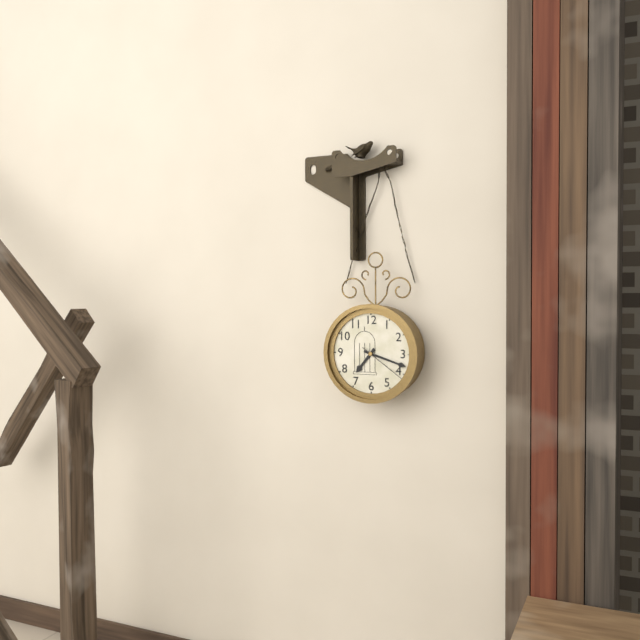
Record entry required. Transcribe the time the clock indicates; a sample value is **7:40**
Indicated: **7:18**
